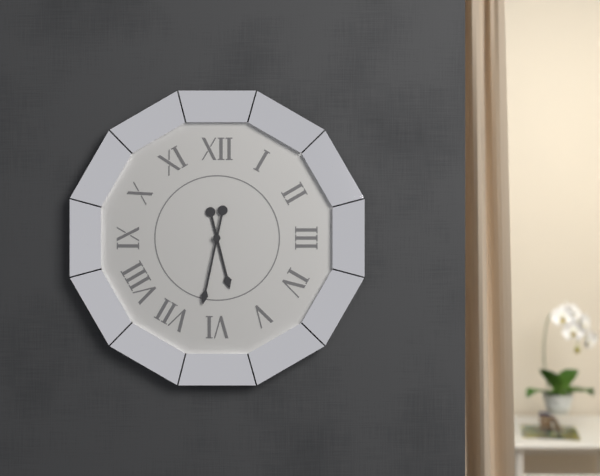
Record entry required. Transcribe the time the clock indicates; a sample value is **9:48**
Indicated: **5:32**
